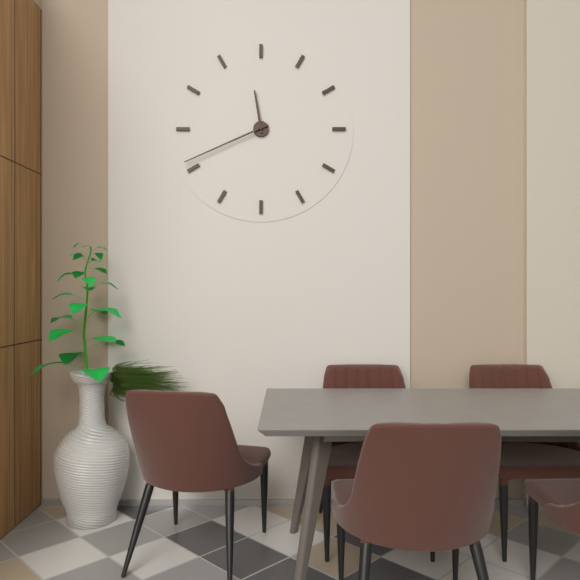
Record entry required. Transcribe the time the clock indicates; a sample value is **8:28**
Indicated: **11:41**
